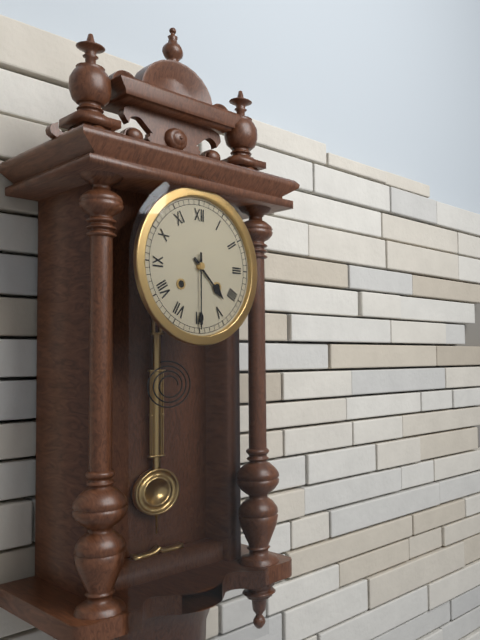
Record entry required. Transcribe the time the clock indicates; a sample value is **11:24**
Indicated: **4:30**
